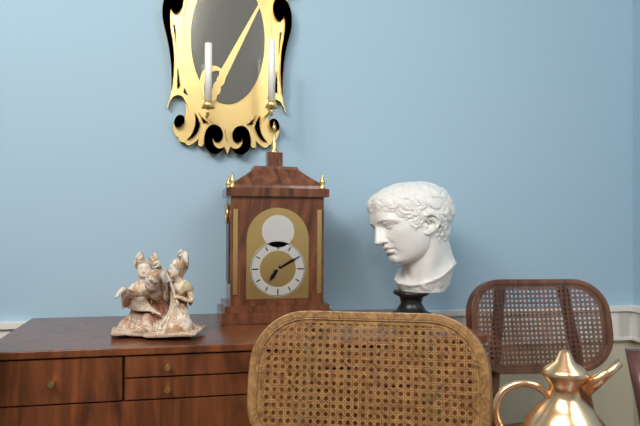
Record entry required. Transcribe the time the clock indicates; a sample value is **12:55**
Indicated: **7:10**
